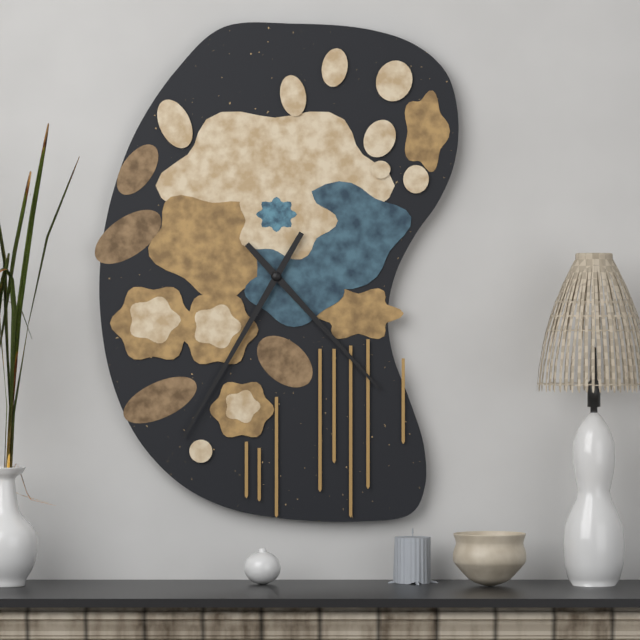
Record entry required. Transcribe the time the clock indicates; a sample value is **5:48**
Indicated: **4:35**
